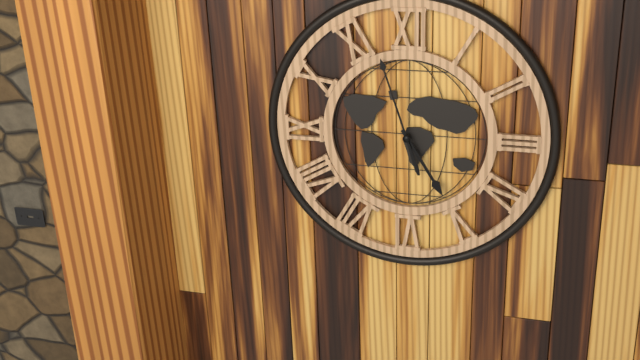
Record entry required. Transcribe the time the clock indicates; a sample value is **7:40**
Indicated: **4:57**
